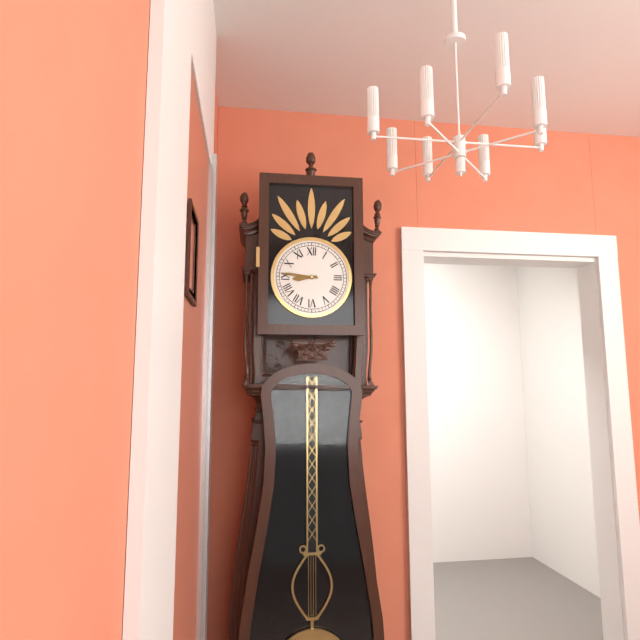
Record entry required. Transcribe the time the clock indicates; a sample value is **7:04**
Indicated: **8:46**
